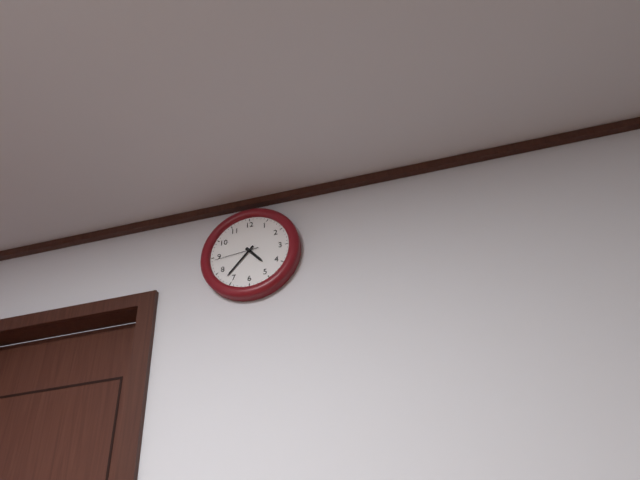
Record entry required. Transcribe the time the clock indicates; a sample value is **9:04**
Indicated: **4:37**
